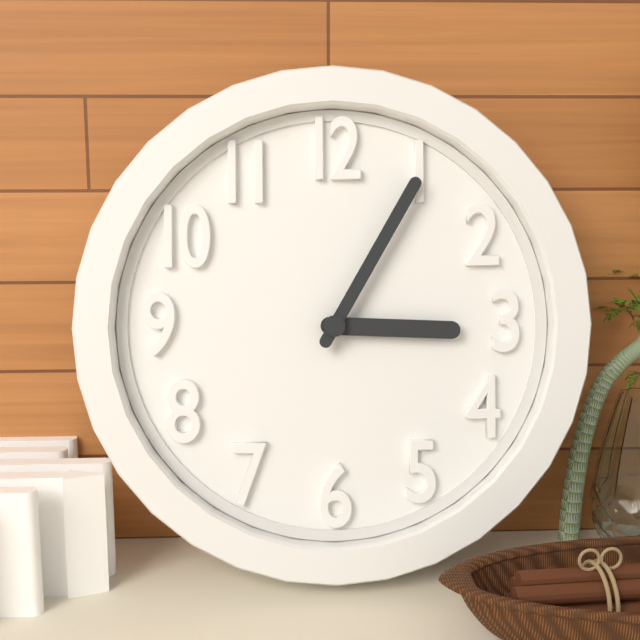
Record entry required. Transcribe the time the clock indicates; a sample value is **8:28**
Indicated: **3:05**
